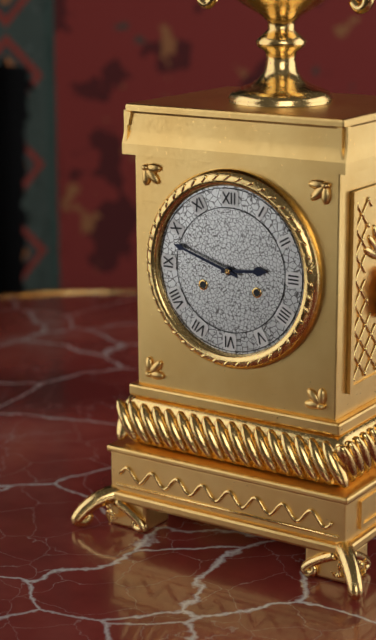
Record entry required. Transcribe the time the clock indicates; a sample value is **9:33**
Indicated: **2:48**
